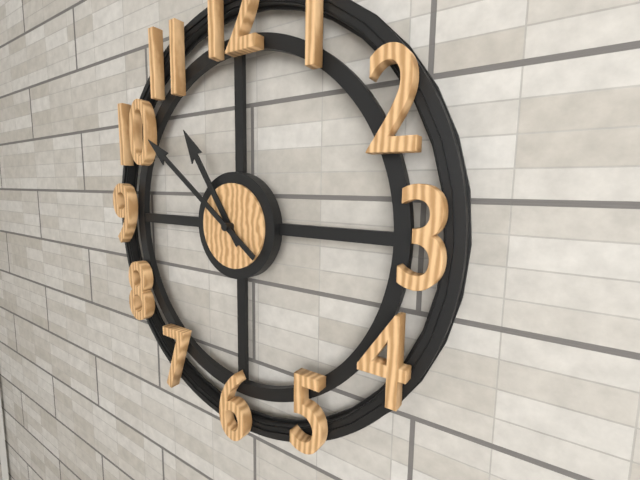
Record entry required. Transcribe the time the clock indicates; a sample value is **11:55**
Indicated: **10:51**
